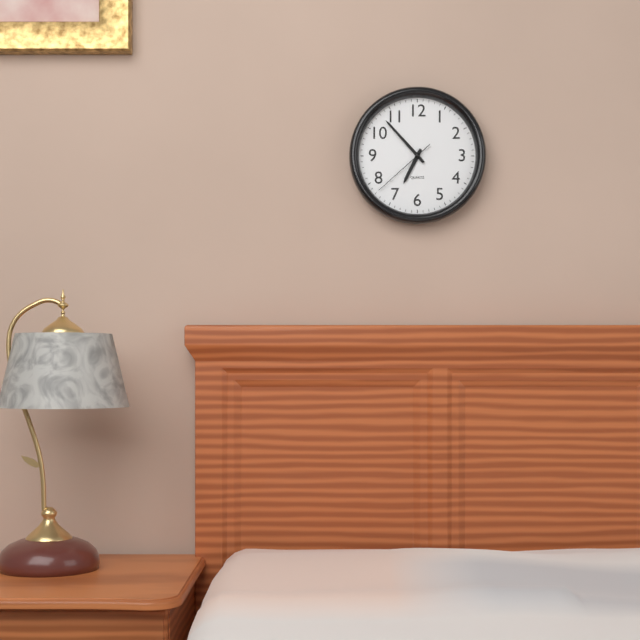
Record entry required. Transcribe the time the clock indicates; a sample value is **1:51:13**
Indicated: **6:53:38**
